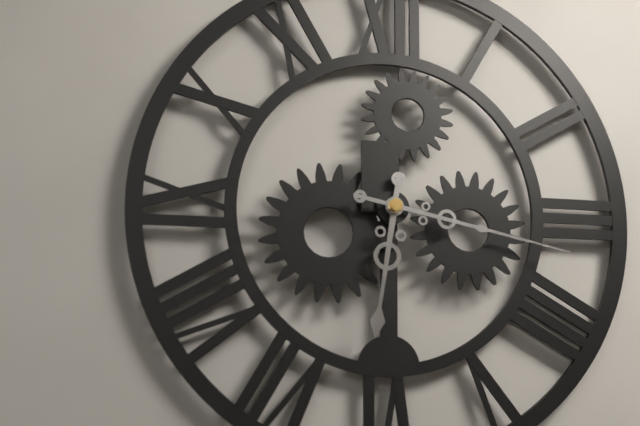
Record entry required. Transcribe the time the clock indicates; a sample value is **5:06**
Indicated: **6:17**
